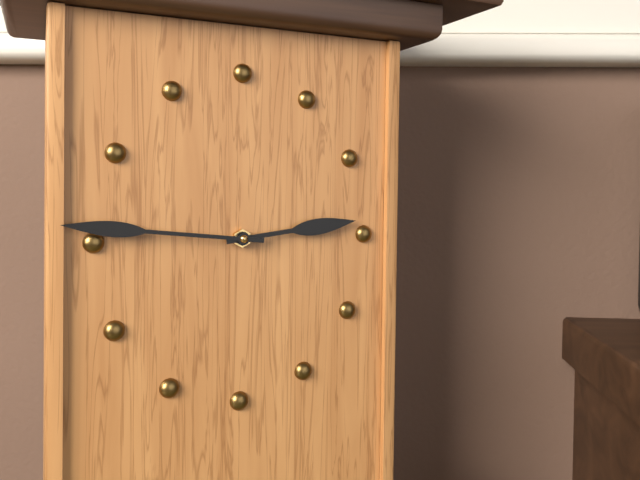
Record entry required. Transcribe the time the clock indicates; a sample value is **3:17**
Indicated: **2:46**
